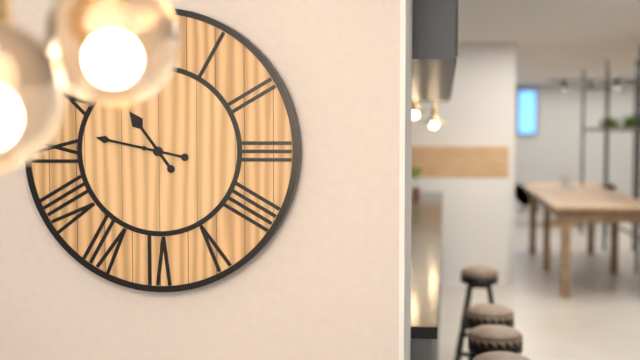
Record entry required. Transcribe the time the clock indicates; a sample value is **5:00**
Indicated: **10:47**
